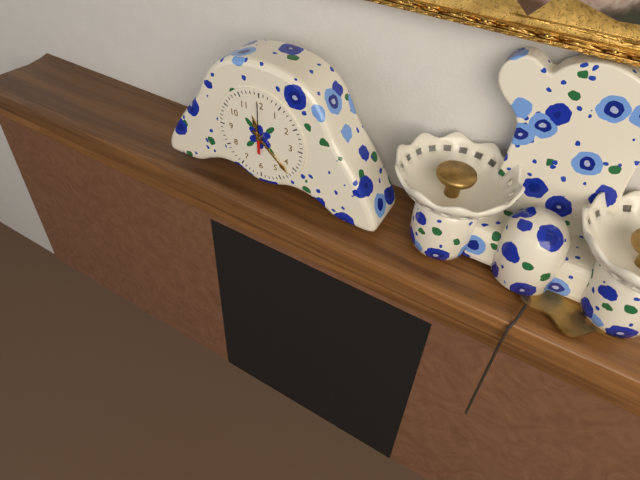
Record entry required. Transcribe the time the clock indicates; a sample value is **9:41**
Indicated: **11:22**
